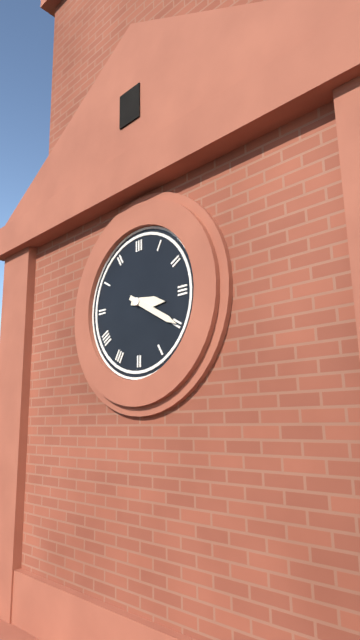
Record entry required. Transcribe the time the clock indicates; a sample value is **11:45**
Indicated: **3:20**
